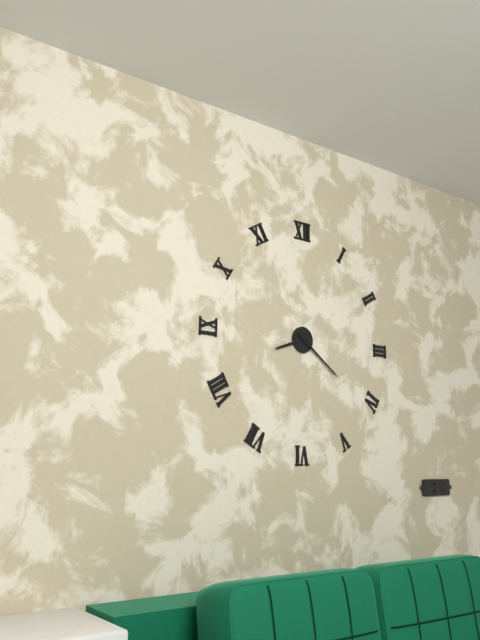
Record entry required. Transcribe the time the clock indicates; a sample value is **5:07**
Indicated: **8:21**
